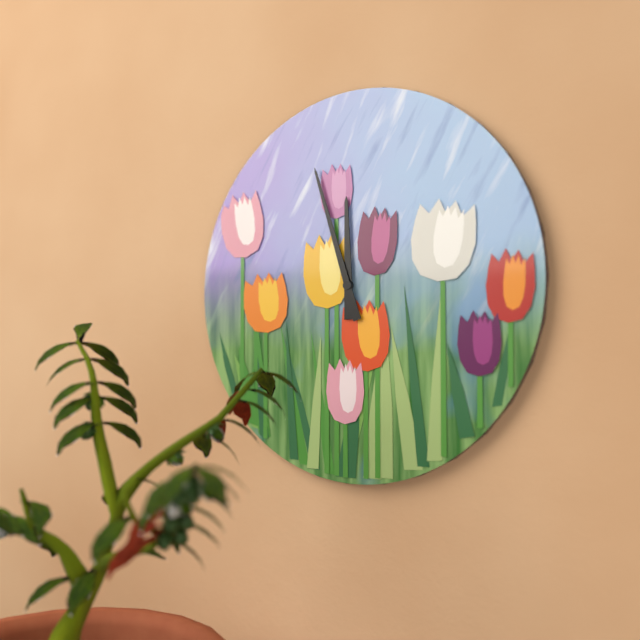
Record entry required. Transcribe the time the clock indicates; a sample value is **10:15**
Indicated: **11:57**
